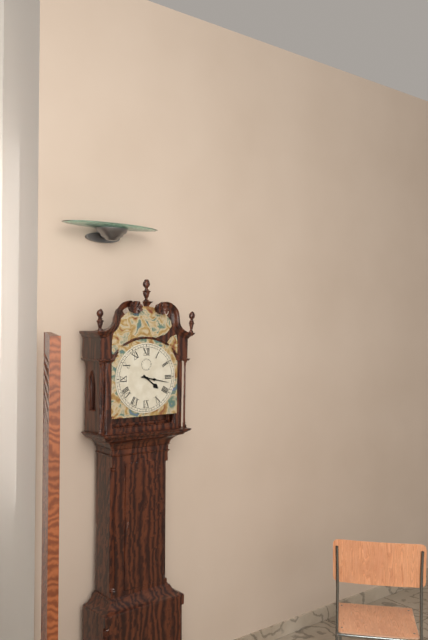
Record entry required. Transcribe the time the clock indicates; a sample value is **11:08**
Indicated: **4:17**
